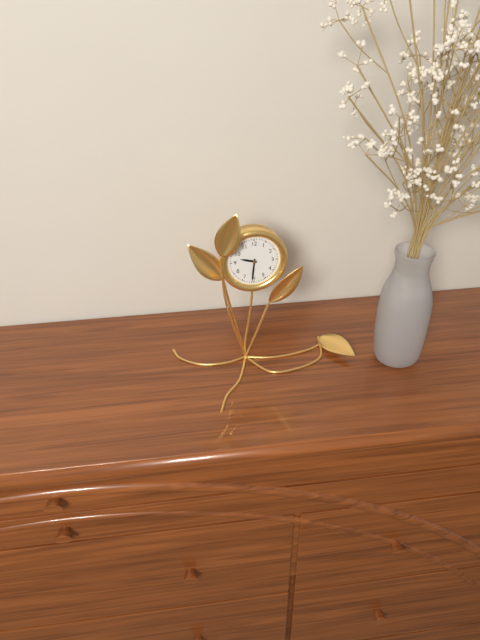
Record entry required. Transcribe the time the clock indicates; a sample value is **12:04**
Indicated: **9:31**
